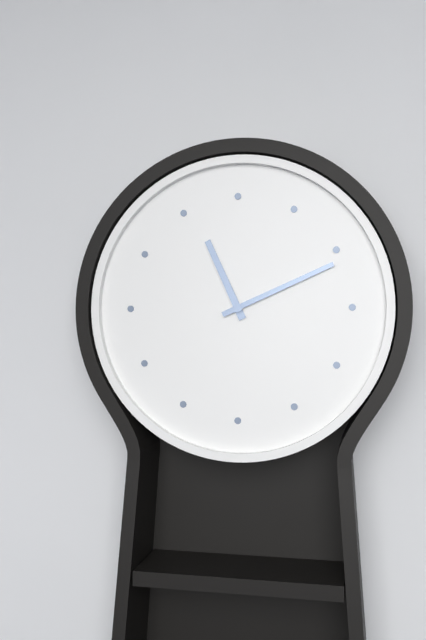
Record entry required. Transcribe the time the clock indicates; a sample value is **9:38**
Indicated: **11:11**
